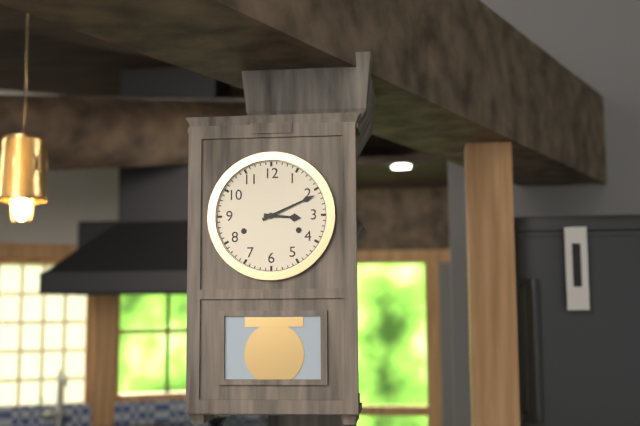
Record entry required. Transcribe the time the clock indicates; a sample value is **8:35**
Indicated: **3:11**
